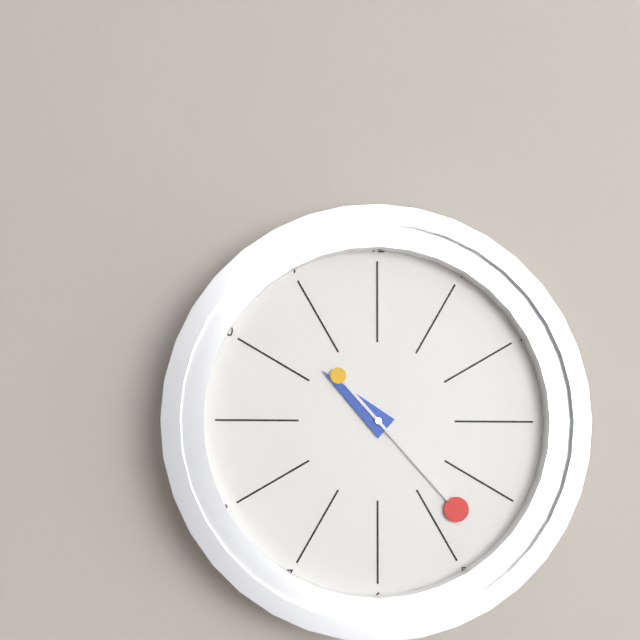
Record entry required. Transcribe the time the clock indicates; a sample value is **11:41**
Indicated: **10:23**
